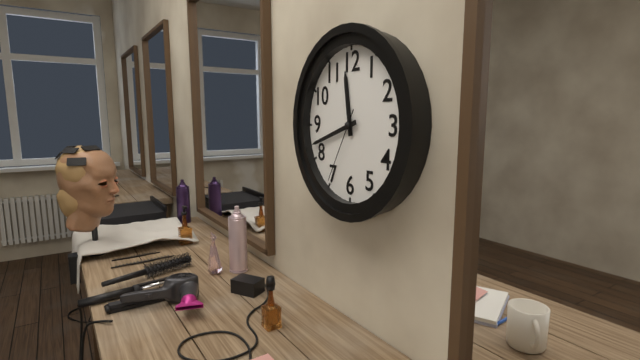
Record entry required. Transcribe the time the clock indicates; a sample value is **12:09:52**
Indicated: **11:42:35**
